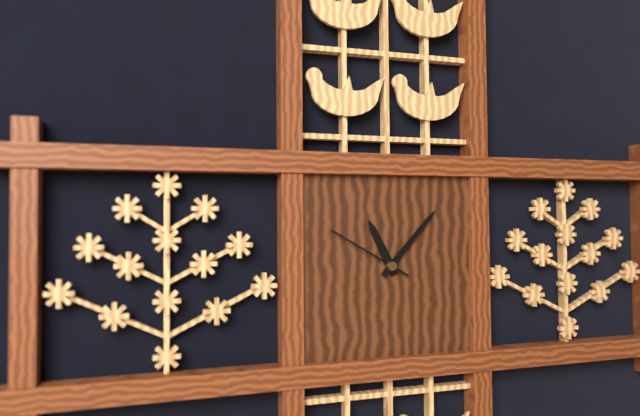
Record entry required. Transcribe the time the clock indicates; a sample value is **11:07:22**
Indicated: **11:07:50**
